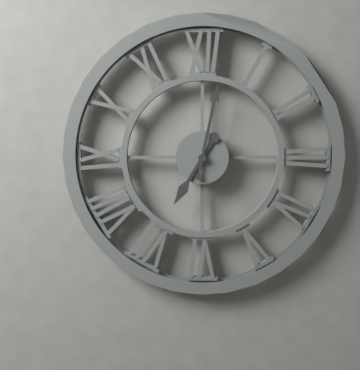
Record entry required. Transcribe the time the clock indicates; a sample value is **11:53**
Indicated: **7:02**
